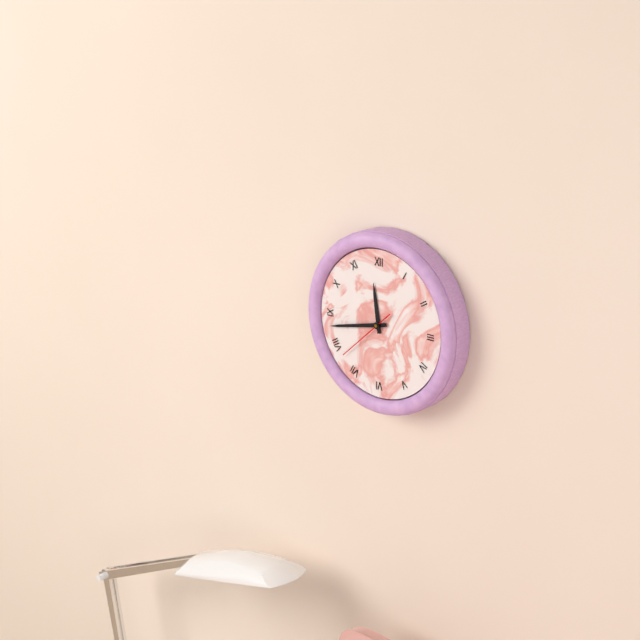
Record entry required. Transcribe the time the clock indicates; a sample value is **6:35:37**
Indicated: **11:43:38**
